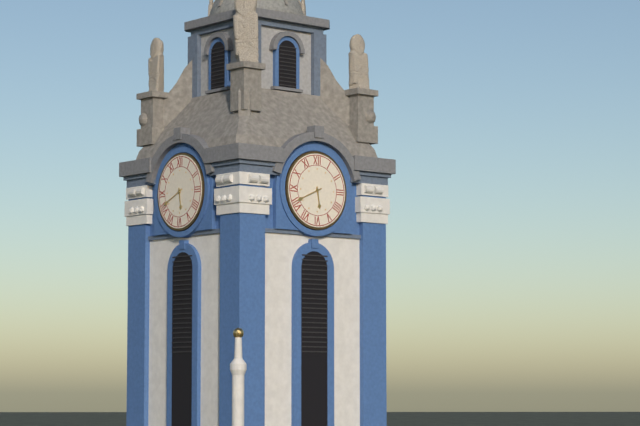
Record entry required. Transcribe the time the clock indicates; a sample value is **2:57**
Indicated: **5:41**
